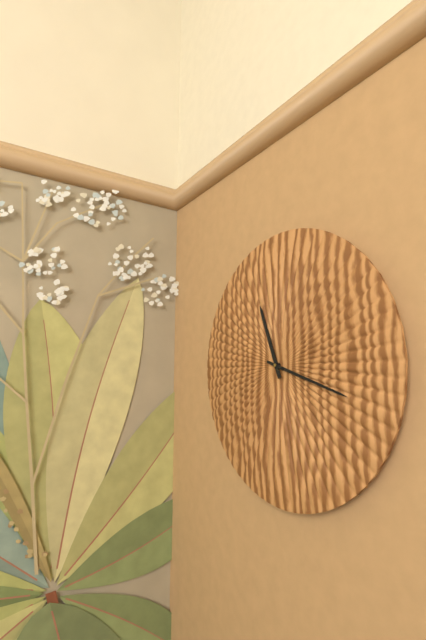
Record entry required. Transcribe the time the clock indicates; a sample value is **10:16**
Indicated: **11:18**
